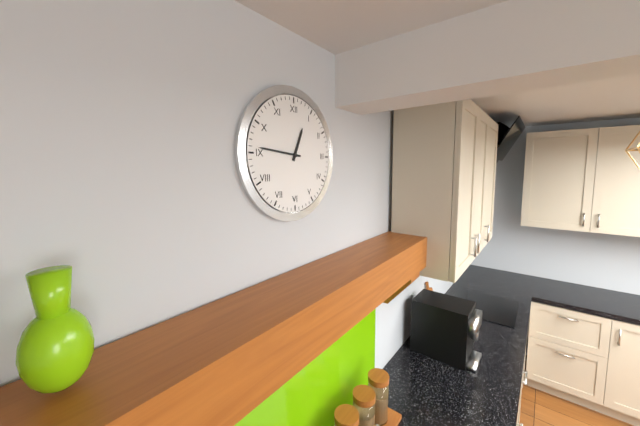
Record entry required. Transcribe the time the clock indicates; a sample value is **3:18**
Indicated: **12:46**
